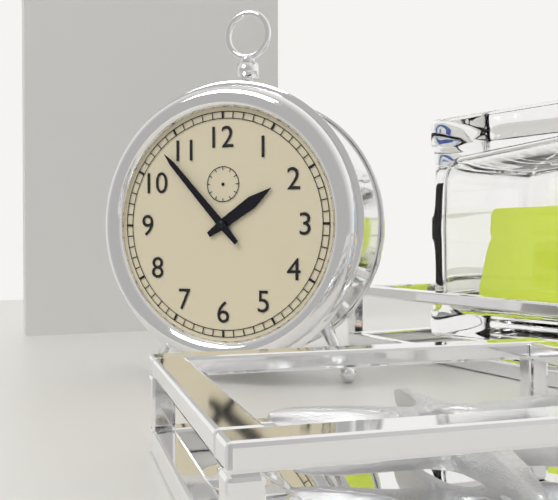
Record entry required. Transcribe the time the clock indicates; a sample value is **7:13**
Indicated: **1:53**
